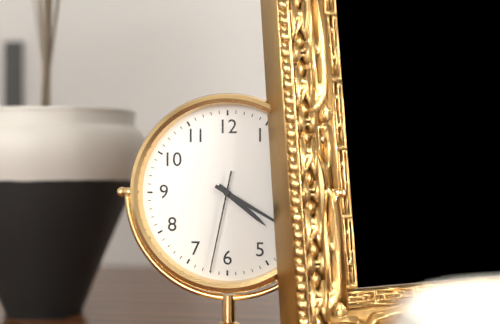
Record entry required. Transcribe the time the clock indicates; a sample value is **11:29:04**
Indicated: **4:20:32**
